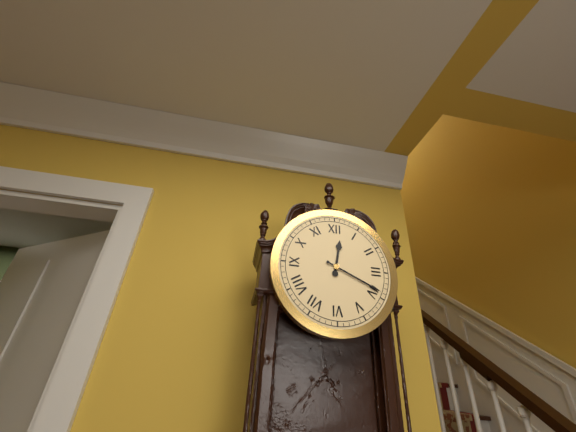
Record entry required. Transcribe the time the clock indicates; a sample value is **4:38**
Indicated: **12:19**
